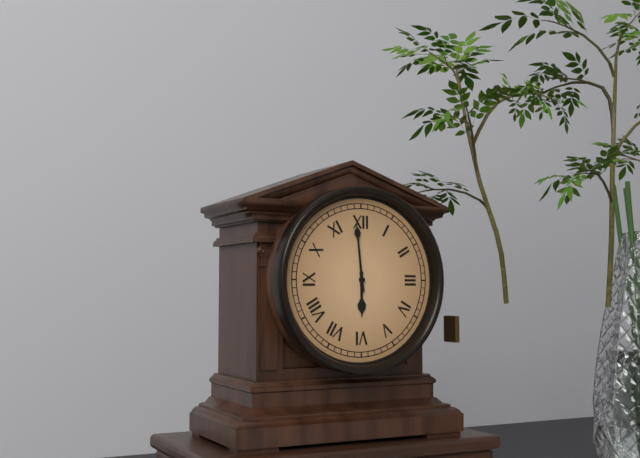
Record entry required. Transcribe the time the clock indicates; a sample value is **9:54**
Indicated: **5:59**
